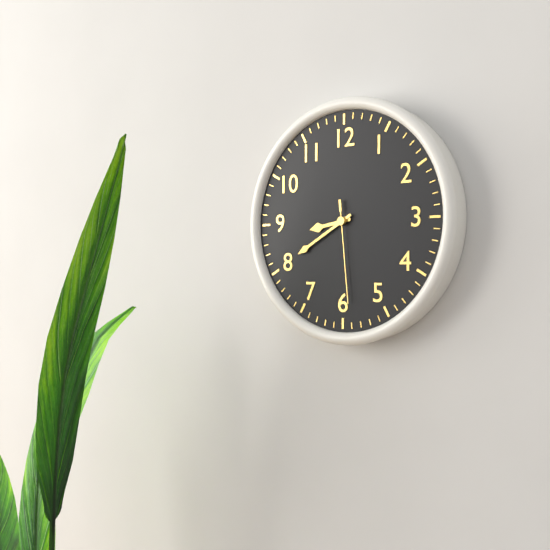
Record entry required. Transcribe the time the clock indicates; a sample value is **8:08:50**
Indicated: **8:40:29**
